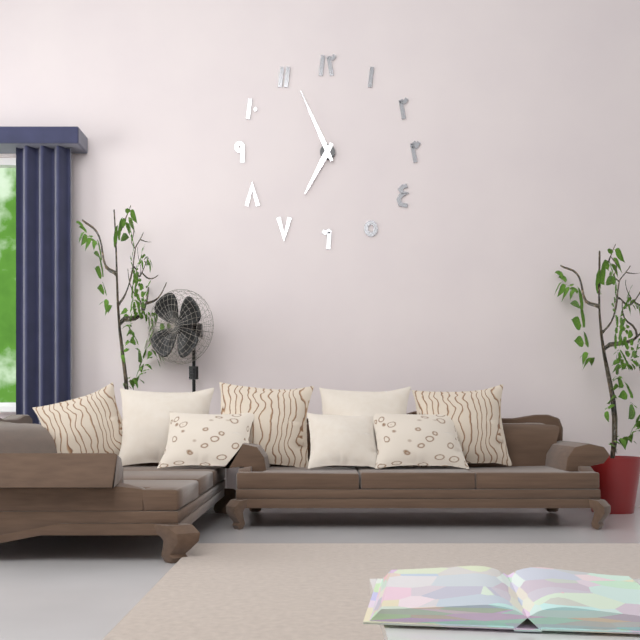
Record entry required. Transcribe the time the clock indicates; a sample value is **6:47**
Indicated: **6:56**
